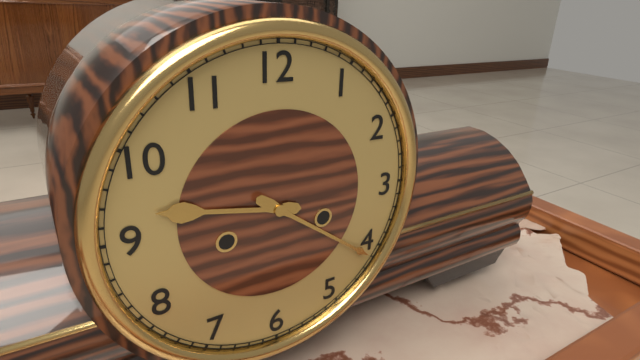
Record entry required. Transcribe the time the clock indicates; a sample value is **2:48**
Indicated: **9:21**
